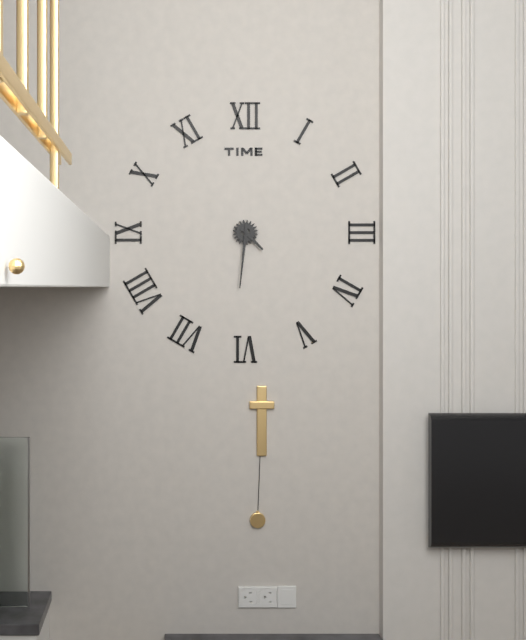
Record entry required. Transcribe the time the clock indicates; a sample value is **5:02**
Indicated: **4:31**
